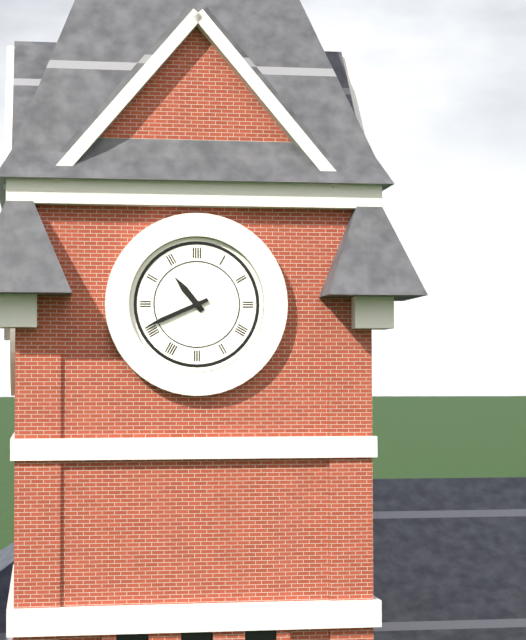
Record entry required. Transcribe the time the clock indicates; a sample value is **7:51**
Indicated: **10:41**
